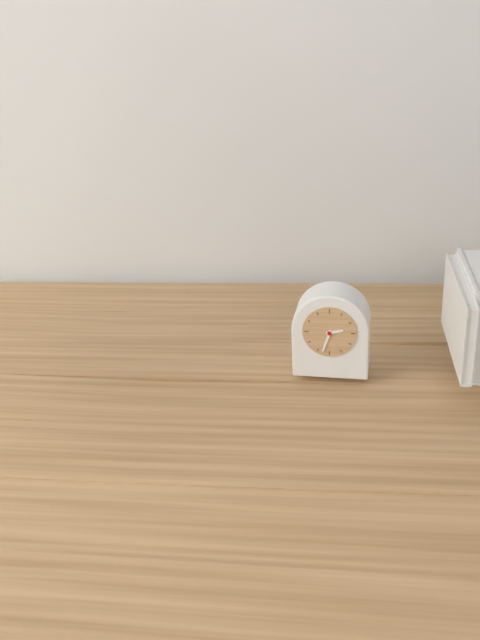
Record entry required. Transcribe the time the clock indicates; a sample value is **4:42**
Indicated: **2:33**
